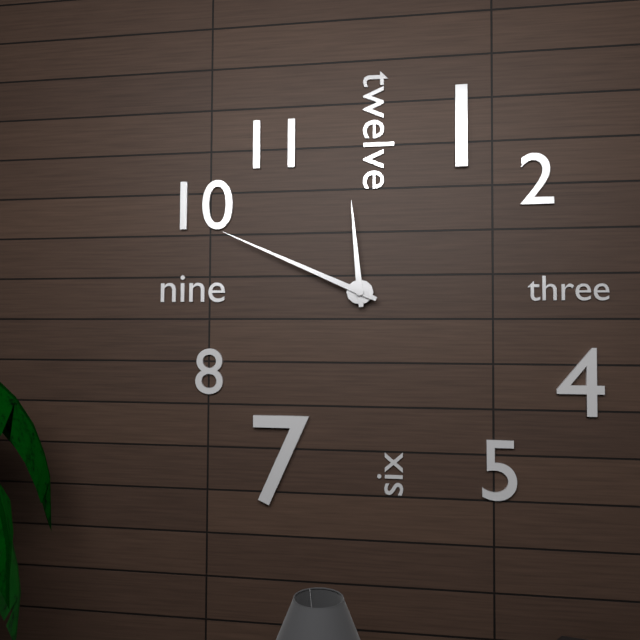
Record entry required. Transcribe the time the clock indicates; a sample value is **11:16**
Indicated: **11:49**
